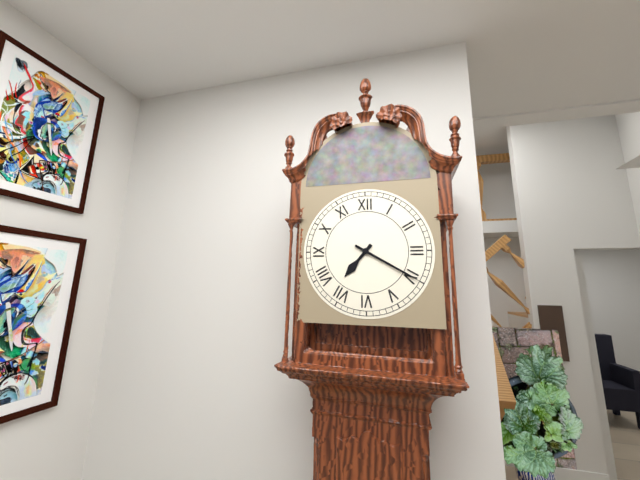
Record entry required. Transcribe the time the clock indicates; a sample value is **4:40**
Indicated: **7:20**
